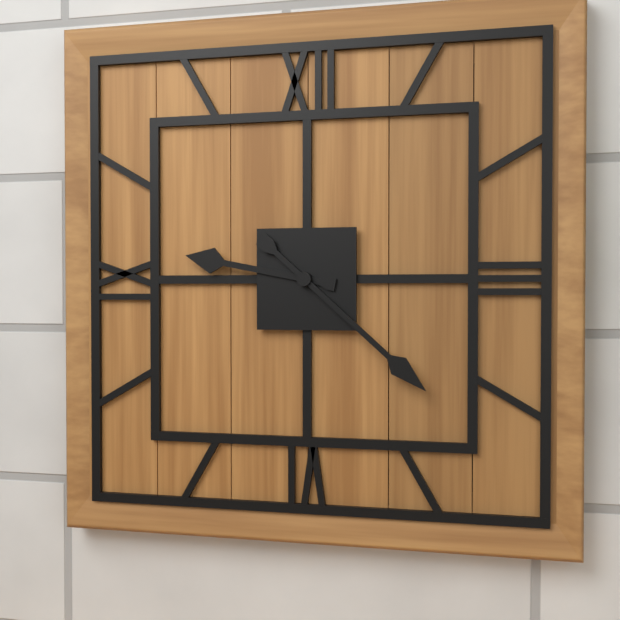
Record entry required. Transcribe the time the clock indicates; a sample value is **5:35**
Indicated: **9:22**
